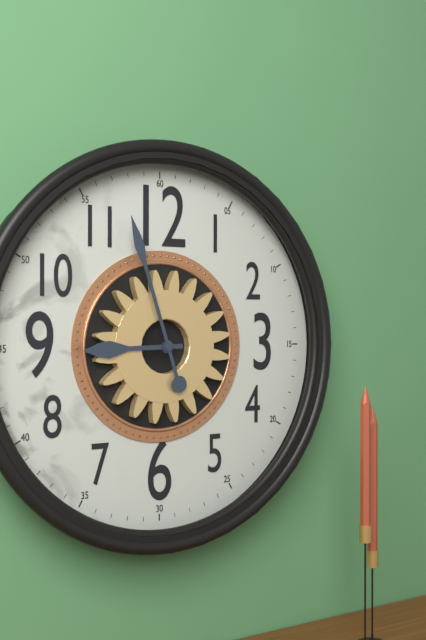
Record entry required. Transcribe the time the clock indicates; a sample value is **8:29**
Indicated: **8:57**
